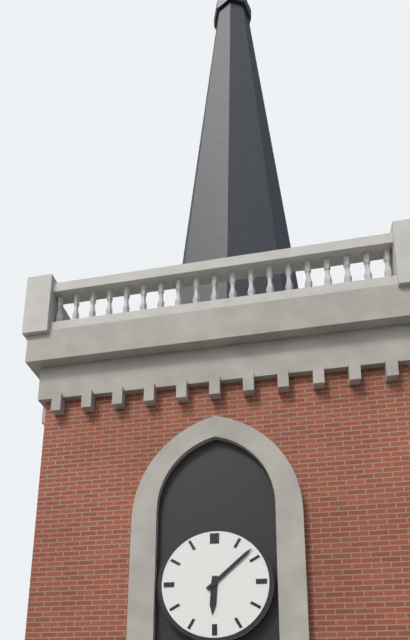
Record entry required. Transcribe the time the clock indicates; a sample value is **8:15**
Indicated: **6:08**
